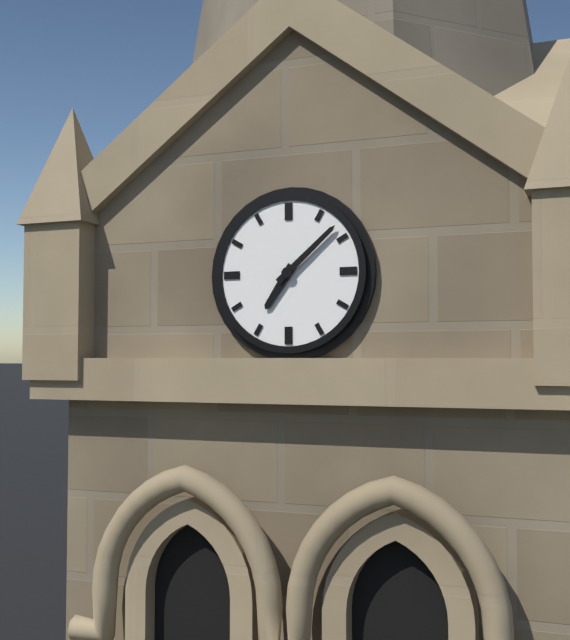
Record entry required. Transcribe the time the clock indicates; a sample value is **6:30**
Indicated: **7:08**
